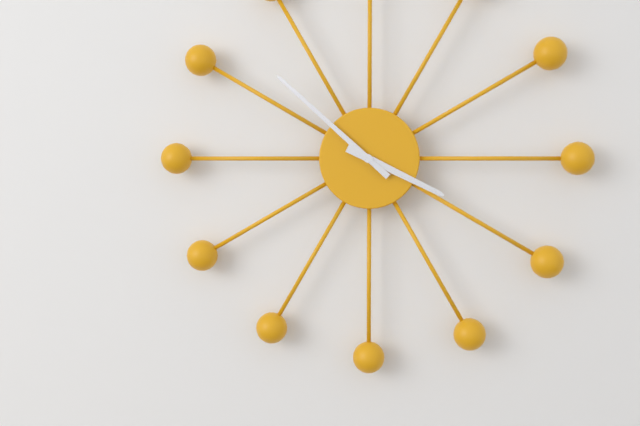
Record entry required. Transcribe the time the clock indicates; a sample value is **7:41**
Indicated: **3:52**
